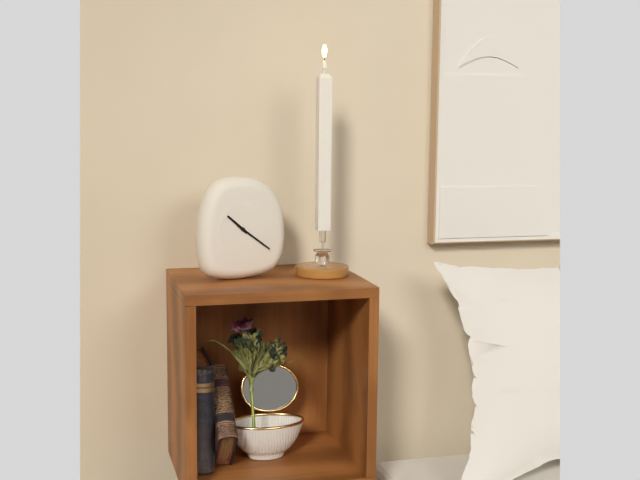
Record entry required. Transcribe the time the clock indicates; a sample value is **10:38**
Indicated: **10:21**
